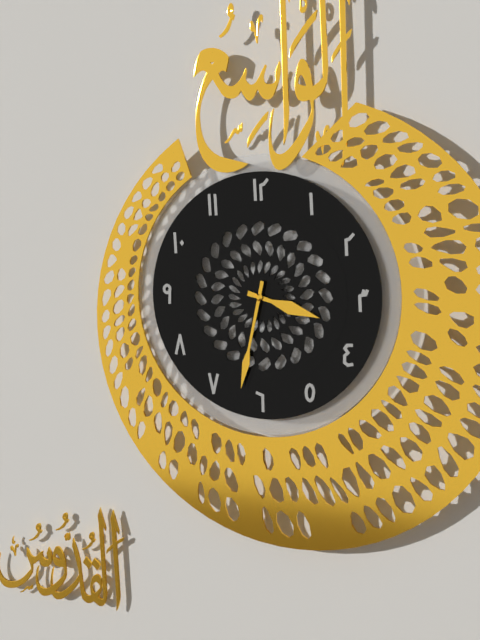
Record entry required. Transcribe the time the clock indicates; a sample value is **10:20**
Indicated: **3:32**
